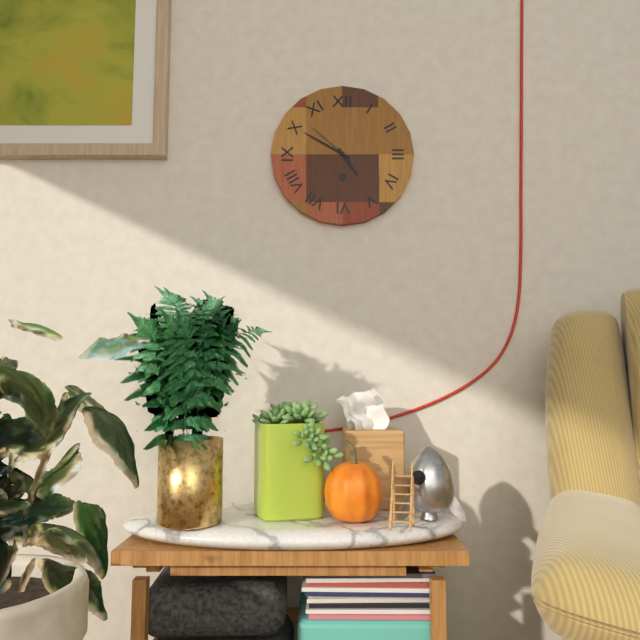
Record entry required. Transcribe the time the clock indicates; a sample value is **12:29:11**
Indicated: **4:50:52**
